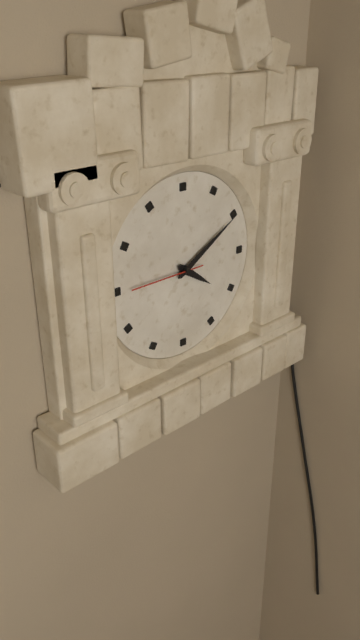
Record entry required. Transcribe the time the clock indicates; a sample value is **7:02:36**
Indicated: **4:10:45**
